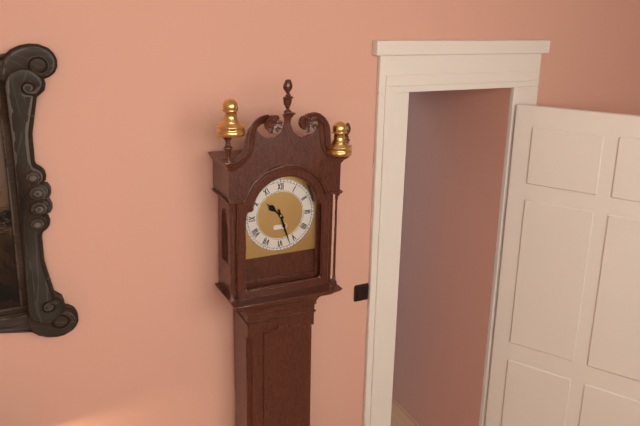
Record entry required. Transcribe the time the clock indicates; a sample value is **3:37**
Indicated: **10:27**
